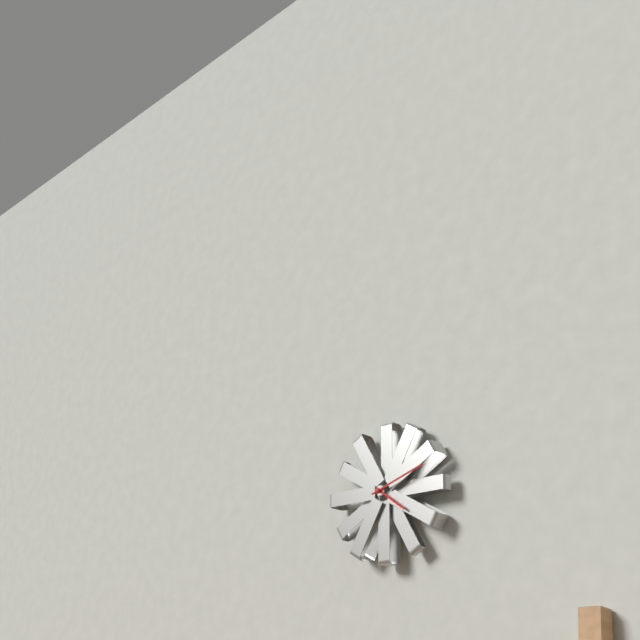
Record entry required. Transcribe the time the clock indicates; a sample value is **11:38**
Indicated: **4:12**
